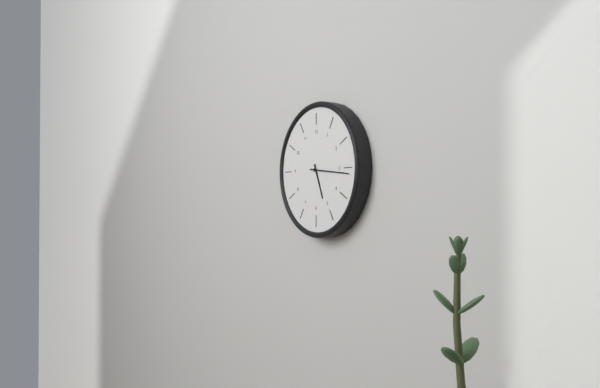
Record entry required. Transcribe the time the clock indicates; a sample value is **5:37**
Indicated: **5:16**
